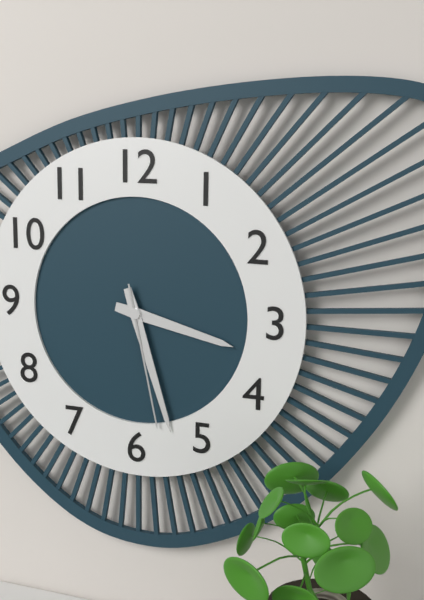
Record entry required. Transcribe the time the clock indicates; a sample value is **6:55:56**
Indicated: **3:27:28**
